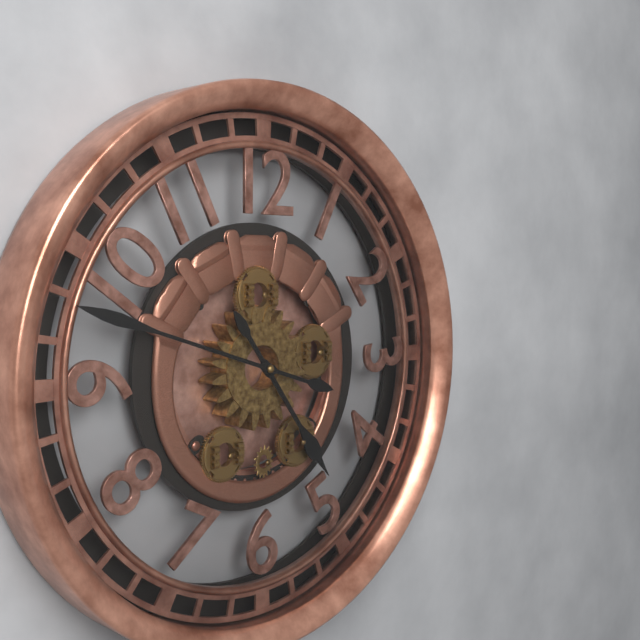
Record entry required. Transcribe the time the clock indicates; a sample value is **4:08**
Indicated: **4:48**
